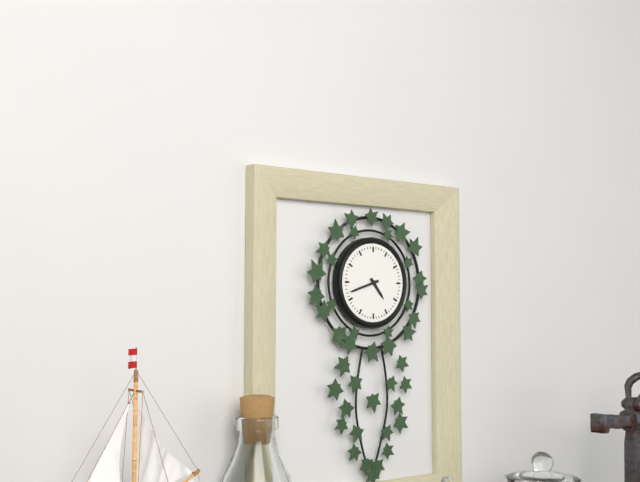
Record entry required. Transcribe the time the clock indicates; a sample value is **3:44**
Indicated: **4:42**
